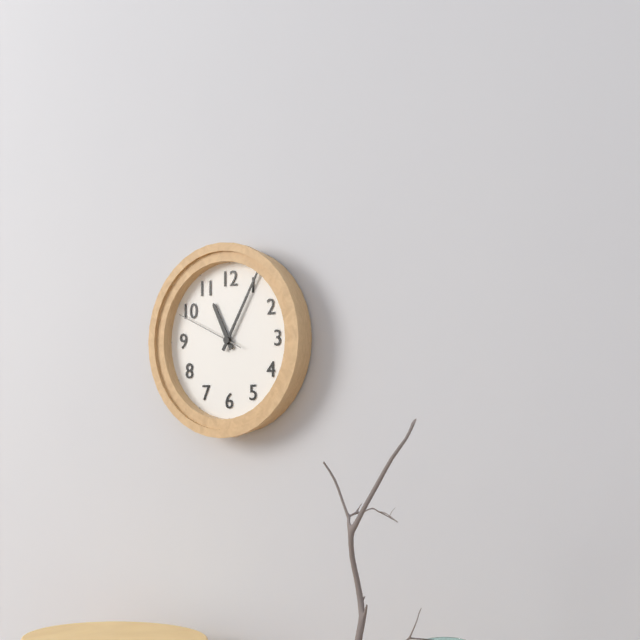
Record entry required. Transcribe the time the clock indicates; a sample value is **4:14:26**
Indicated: **11:05:49**
